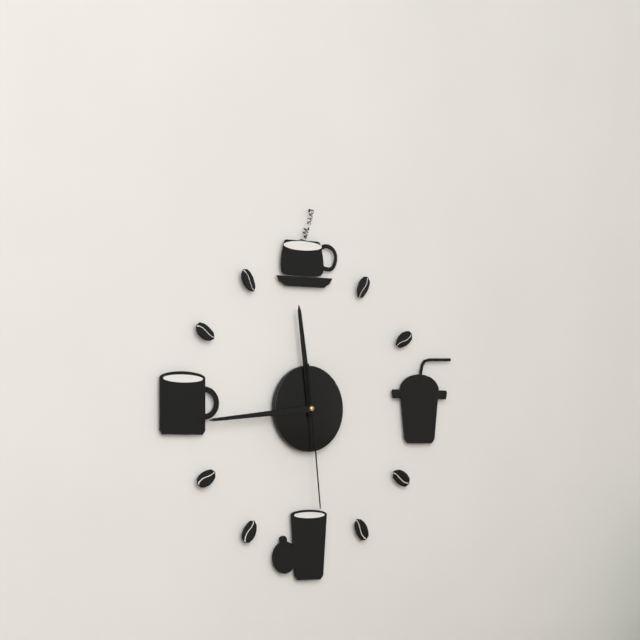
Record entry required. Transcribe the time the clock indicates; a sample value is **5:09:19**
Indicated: **11:44:29**
